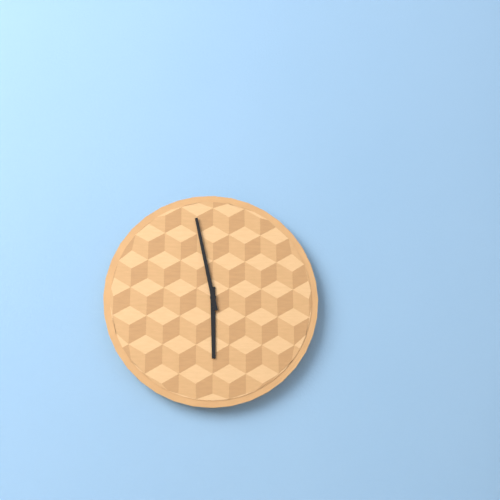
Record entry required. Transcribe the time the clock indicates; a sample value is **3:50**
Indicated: **5:58**
